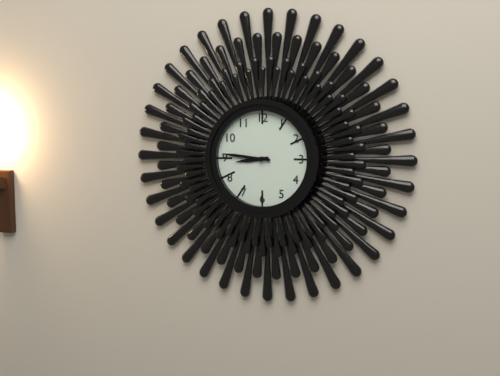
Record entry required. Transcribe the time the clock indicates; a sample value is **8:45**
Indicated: **8:46**
